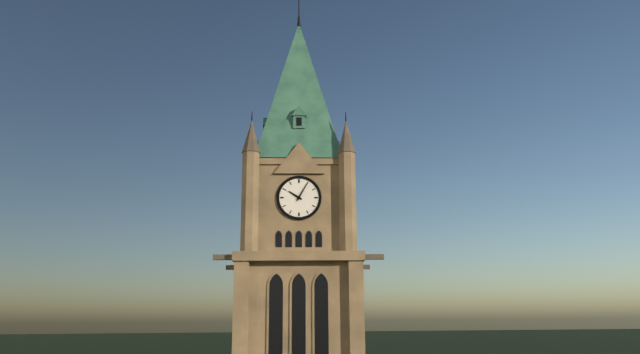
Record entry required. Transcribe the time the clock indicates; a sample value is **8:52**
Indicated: **10:05**
